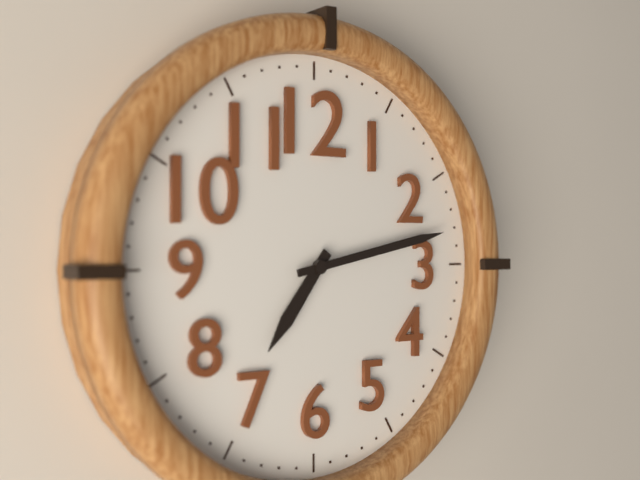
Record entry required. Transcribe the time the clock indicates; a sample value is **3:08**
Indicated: **7:13**
